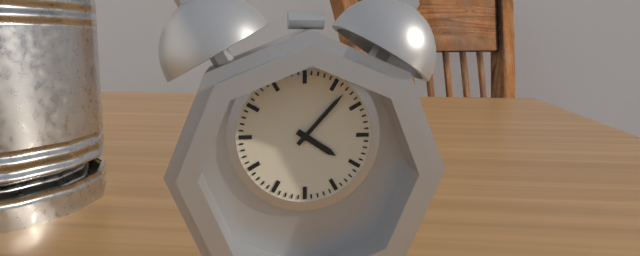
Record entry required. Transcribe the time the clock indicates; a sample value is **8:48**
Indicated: **4:07**
